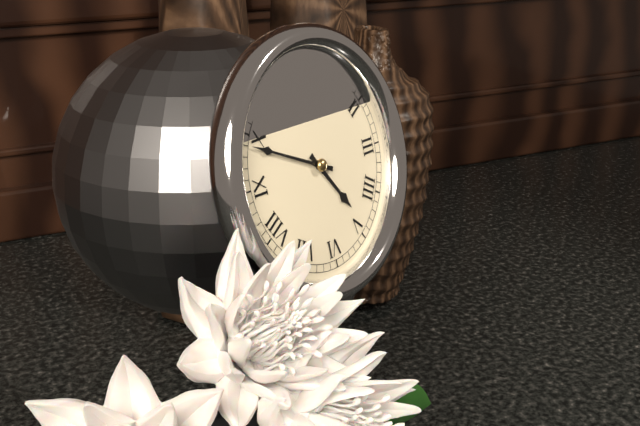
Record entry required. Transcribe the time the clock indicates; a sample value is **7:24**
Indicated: **4:49**
